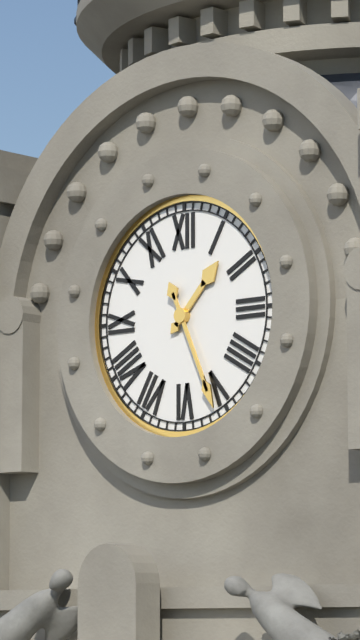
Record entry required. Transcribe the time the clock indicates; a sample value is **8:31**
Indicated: **1:26**
